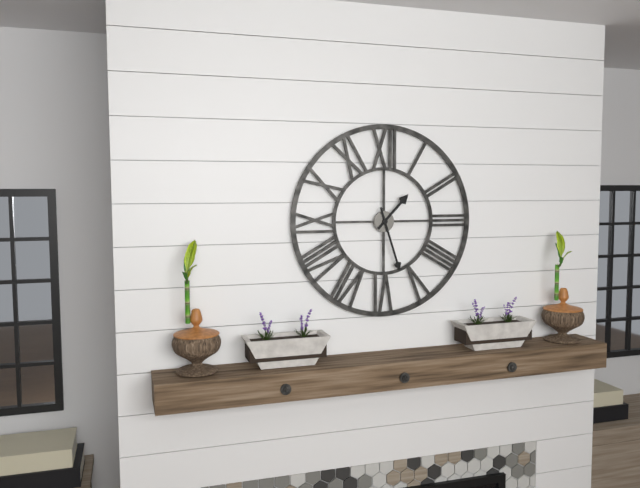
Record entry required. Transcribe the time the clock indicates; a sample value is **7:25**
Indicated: **1:27**
